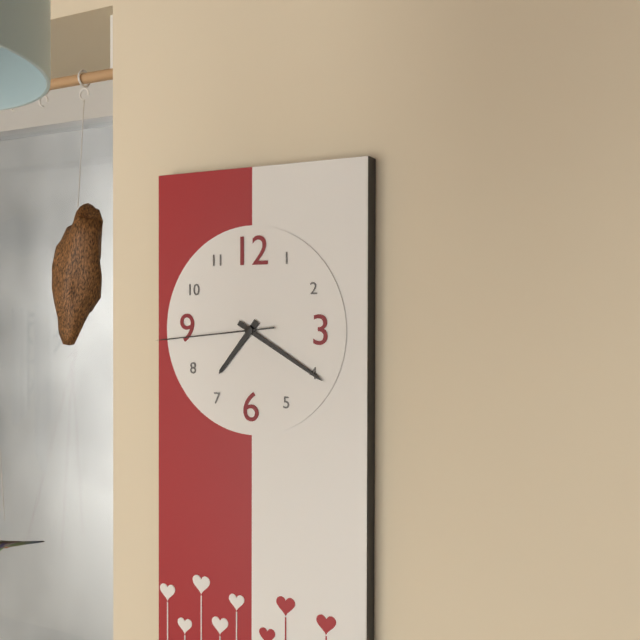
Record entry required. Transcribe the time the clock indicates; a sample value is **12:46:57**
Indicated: **7:20:44**
